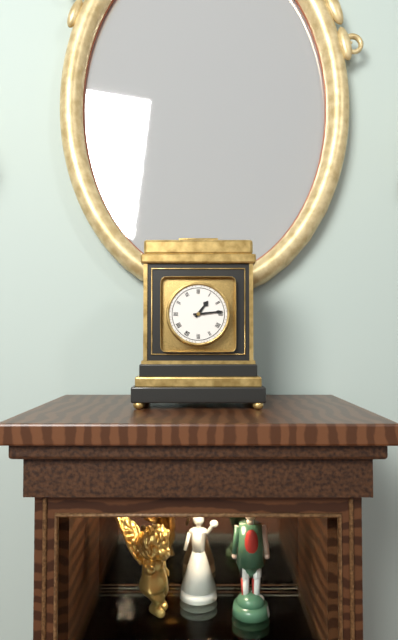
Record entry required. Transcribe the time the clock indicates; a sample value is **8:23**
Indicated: **1:14**
